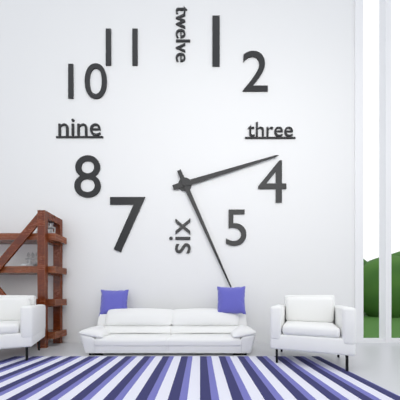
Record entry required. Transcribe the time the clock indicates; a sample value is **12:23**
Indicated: **2:26**
